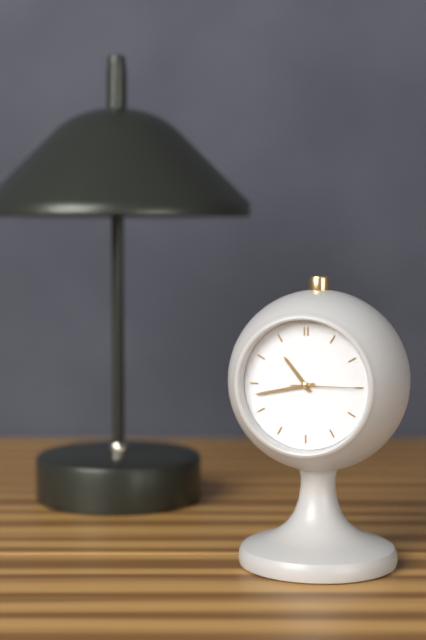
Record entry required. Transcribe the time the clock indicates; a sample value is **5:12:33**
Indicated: **10:43:15**
